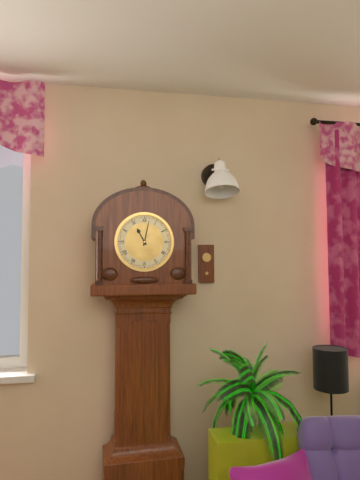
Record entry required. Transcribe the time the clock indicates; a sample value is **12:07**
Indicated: **11:02**
